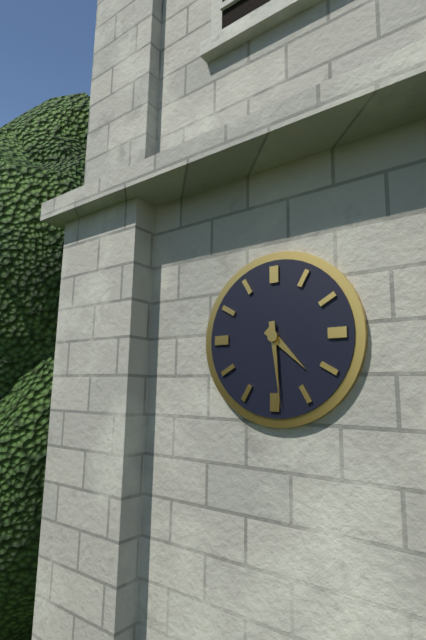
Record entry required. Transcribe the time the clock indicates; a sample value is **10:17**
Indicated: **4:29**
